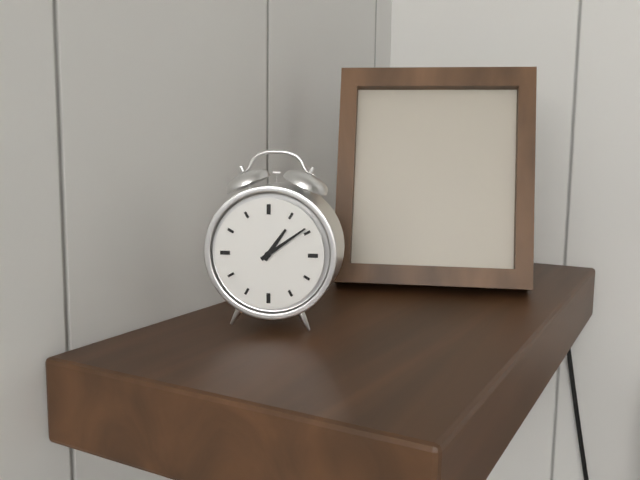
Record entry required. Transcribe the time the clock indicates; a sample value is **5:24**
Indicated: **1:09**
